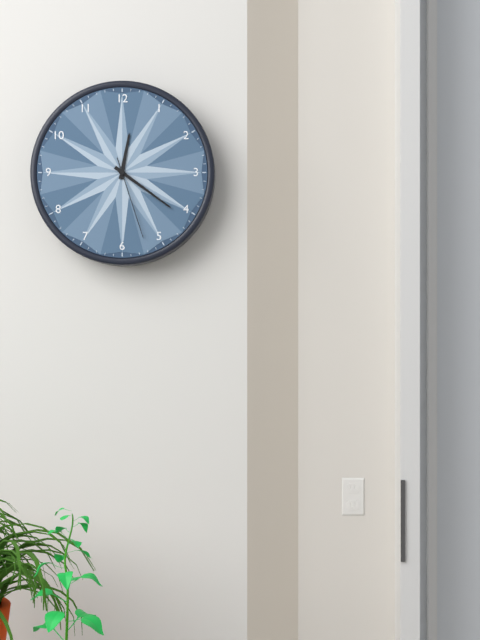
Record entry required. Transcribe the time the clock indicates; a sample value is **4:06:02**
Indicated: **12:21:27**
